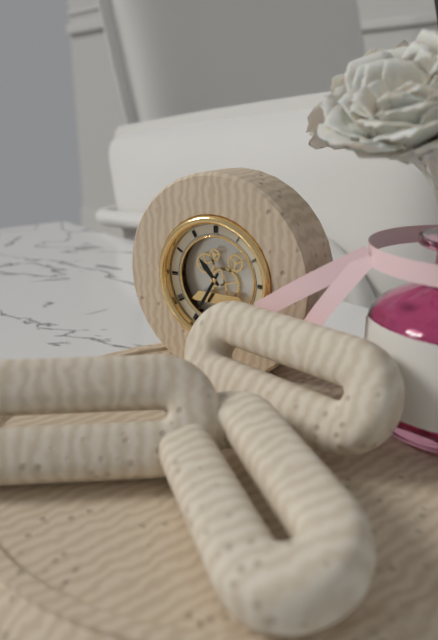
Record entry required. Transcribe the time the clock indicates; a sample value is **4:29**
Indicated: **10:35**
